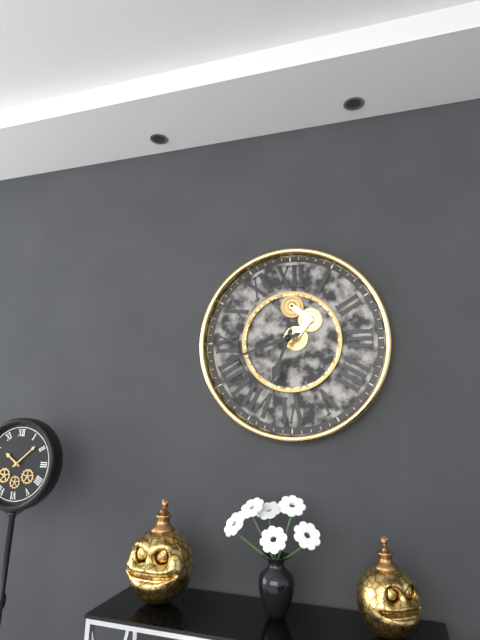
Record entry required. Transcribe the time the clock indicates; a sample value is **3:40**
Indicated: **6:42**
